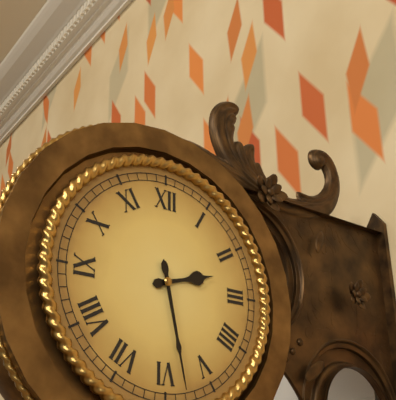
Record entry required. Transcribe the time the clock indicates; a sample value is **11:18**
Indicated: **2:28**
